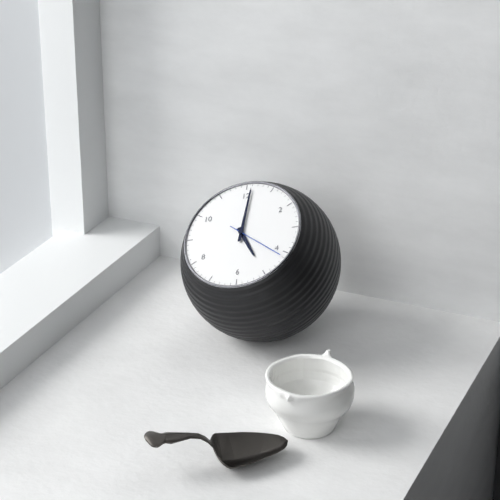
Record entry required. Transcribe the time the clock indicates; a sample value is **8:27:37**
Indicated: **5:01:21**
